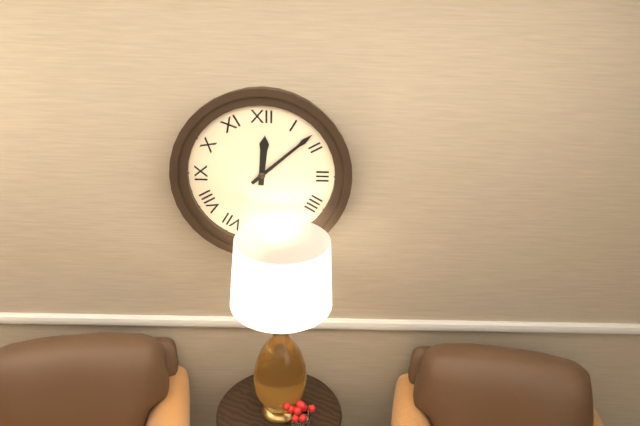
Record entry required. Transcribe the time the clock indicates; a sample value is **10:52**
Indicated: **12:08**
